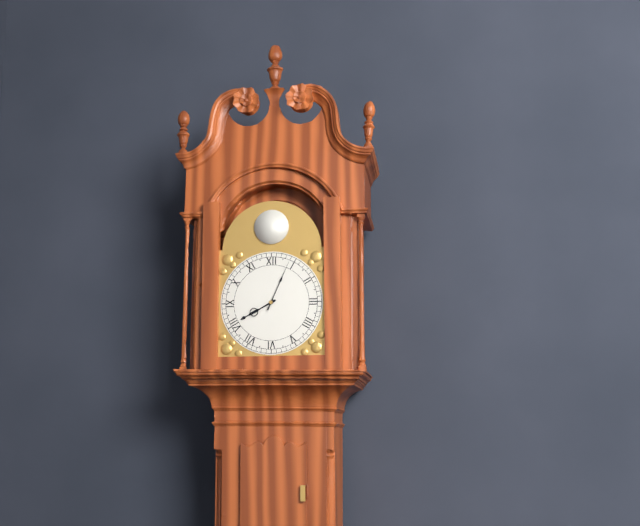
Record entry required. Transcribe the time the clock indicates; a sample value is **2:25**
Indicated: **8:04**
